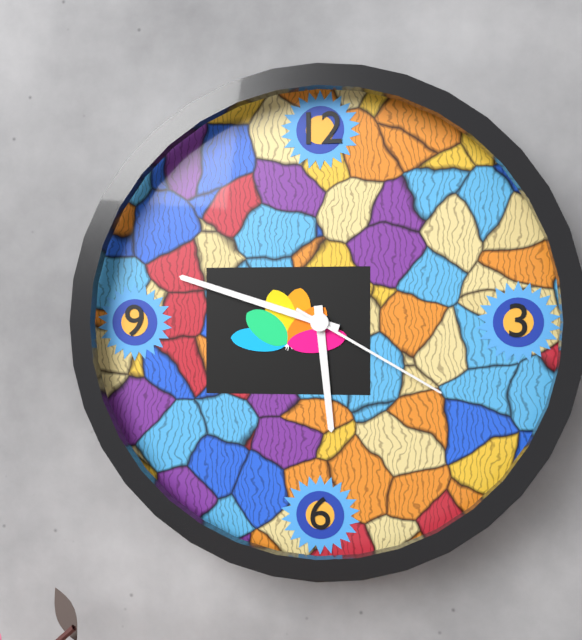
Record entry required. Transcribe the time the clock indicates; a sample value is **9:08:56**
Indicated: **5:48:20**
